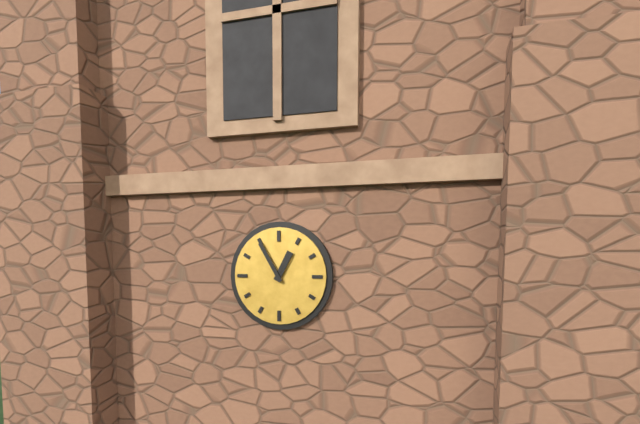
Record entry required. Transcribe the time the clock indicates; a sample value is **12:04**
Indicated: **12:55**
